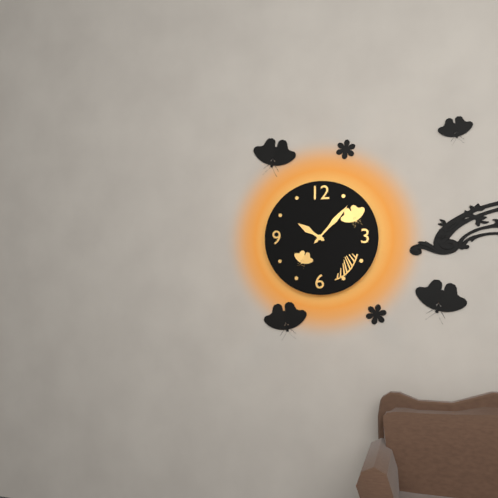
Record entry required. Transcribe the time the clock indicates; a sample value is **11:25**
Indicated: **10:07**
